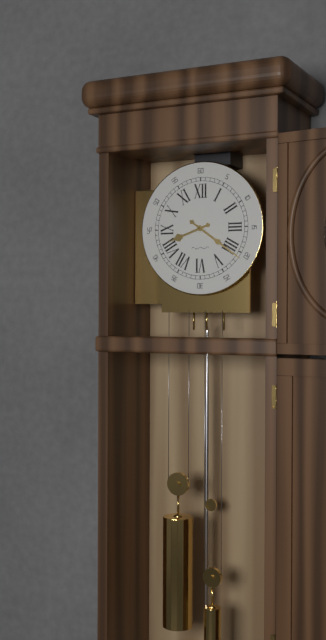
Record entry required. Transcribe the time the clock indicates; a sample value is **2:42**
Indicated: **8:21**
